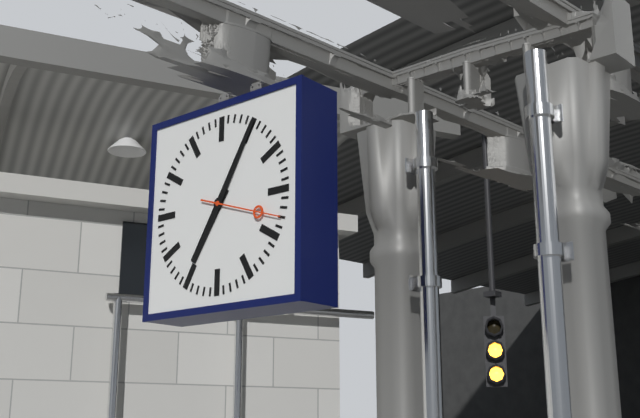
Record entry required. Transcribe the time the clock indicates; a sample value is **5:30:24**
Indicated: **7:05:18**
